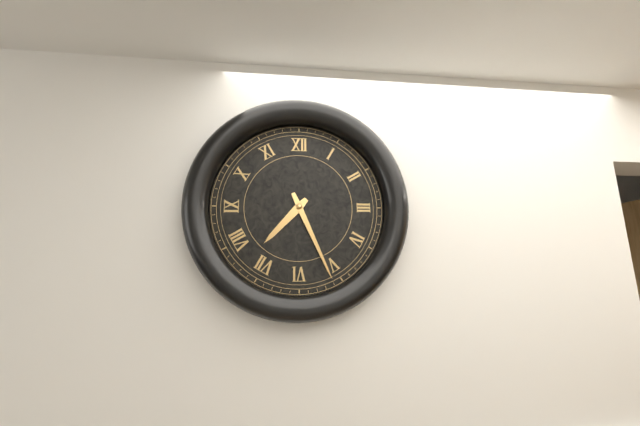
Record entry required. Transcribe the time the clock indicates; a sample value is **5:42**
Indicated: **7:26**
